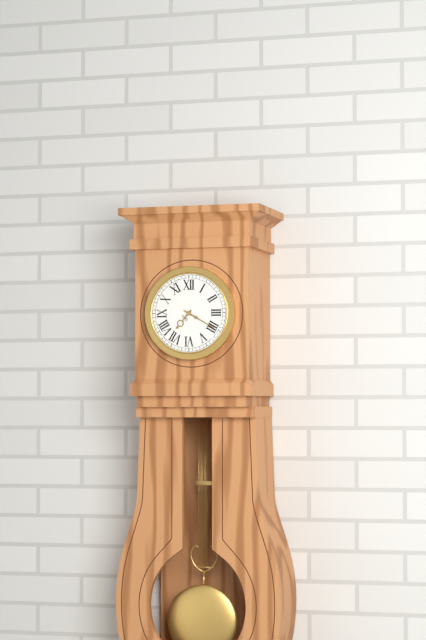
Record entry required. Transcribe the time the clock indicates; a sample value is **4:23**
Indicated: **7:20**
